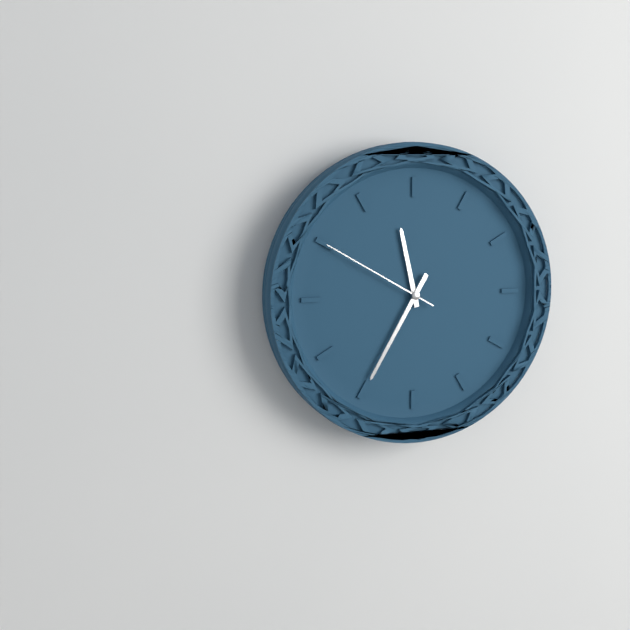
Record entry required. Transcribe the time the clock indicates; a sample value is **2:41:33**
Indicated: **11:35:50**
